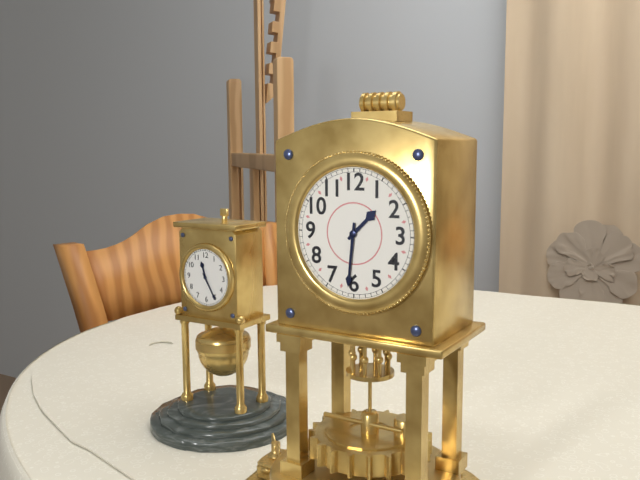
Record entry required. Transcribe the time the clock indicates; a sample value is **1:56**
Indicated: **1:31**
